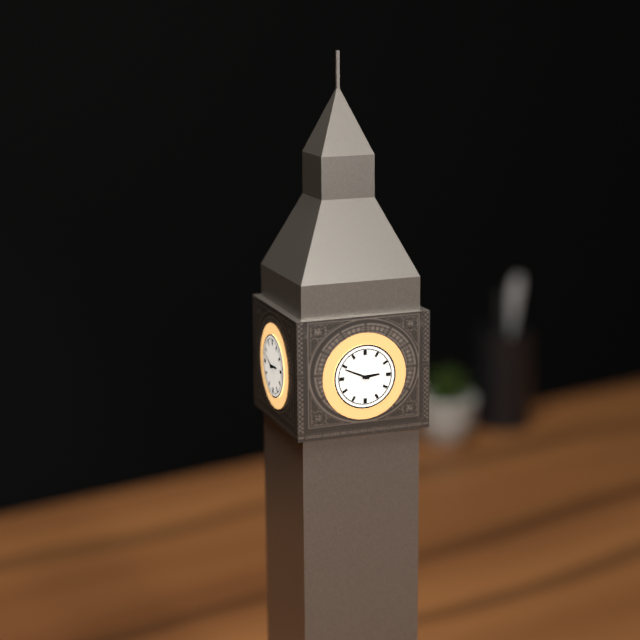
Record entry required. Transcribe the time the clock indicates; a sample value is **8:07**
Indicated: **2:49**
